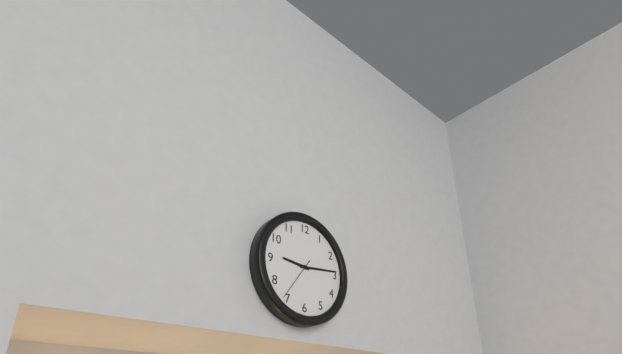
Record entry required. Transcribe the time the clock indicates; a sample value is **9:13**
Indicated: **9:14**
